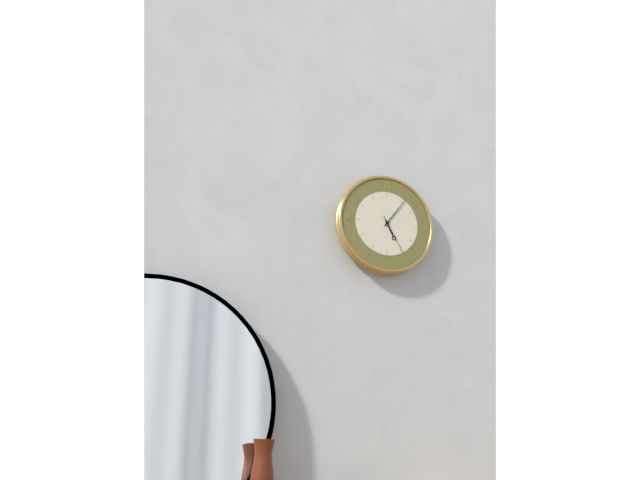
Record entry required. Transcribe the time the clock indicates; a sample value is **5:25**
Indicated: **5:06**
